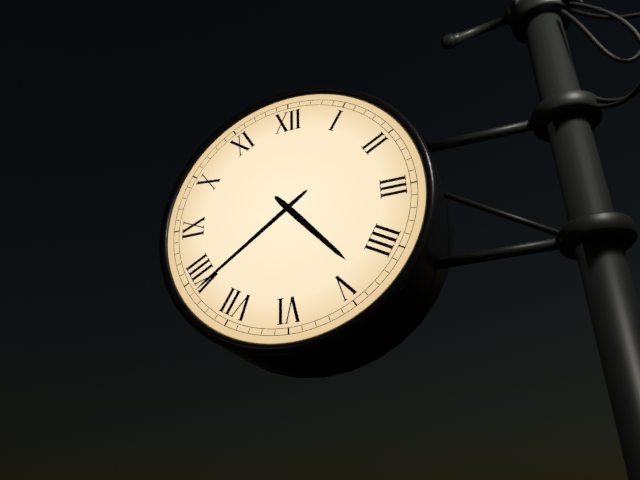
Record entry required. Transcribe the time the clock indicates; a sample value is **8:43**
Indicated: **4:39**
